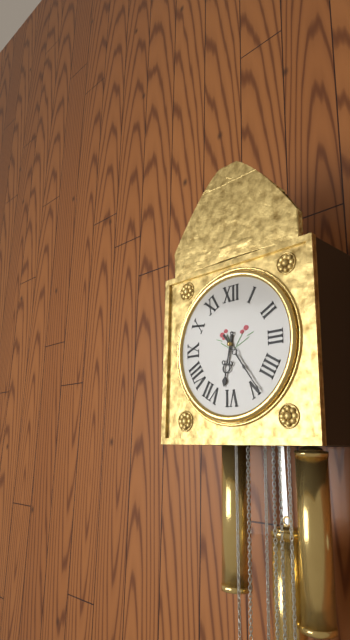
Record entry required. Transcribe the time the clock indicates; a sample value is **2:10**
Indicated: **6:24**
